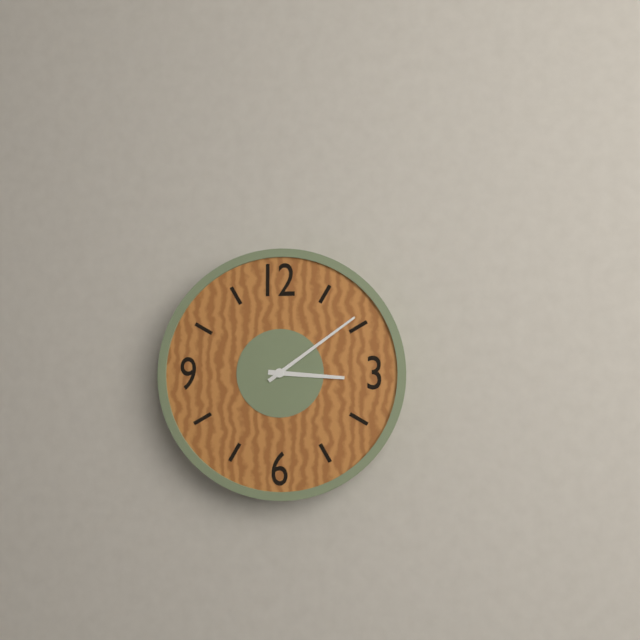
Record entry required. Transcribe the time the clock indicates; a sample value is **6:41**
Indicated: **3:09**
